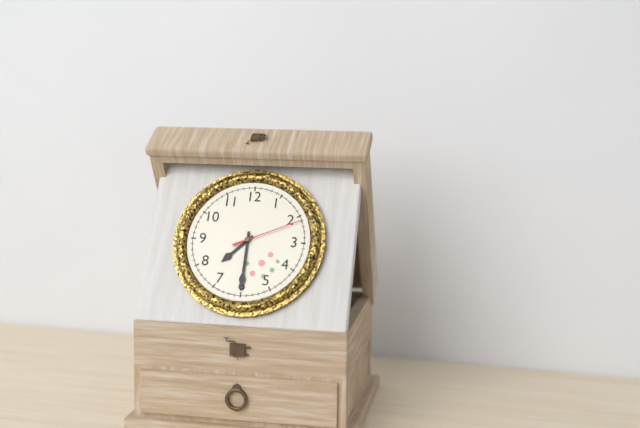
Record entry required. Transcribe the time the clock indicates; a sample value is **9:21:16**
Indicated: **7:30:11**
